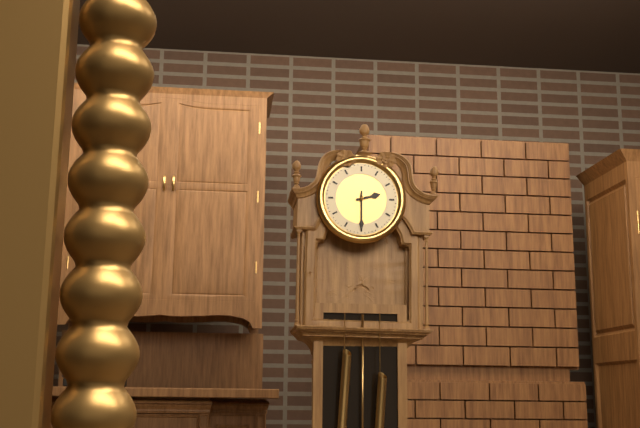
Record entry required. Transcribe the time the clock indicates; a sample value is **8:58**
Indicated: **2:30**
